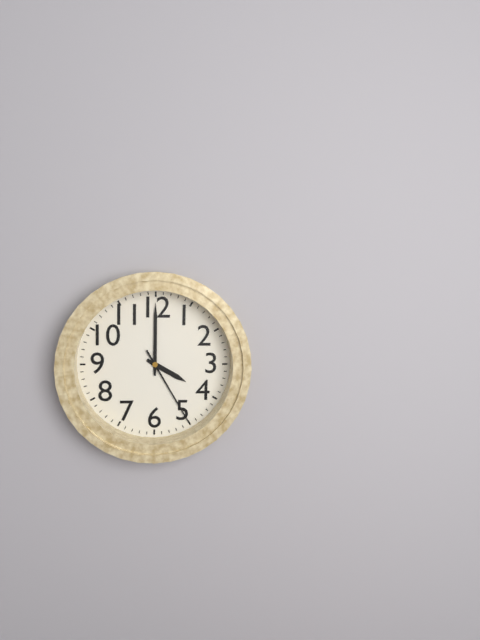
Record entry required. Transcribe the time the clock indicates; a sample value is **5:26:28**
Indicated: **4:00:25**
